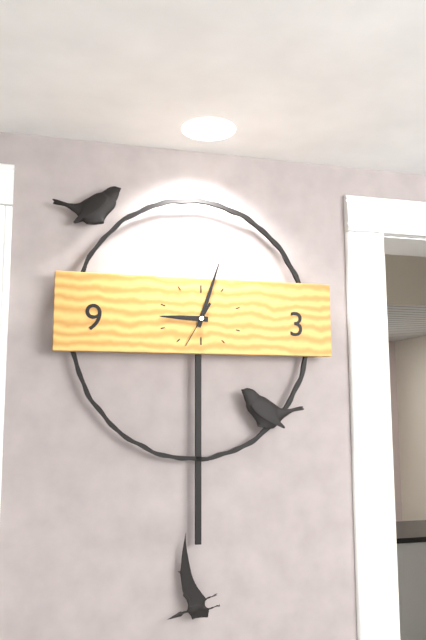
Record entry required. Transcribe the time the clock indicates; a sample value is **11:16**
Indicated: **9:03**
